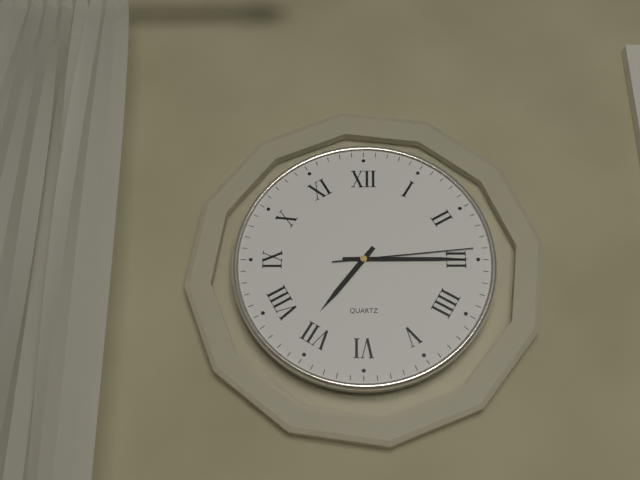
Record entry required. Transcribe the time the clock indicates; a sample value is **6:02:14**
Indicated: **7:15:14**
